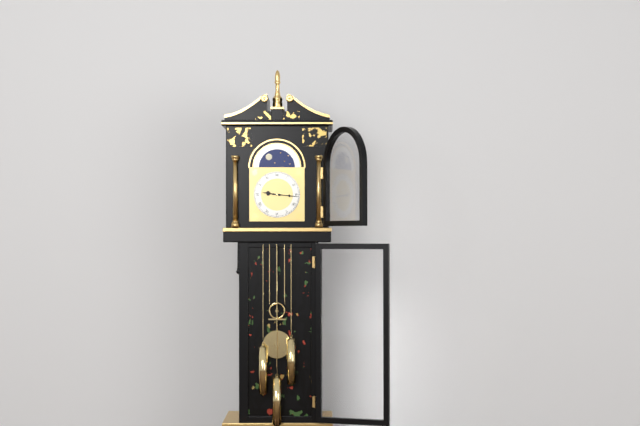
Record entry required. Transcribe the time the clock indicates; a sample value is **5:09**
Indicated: **9:16**
